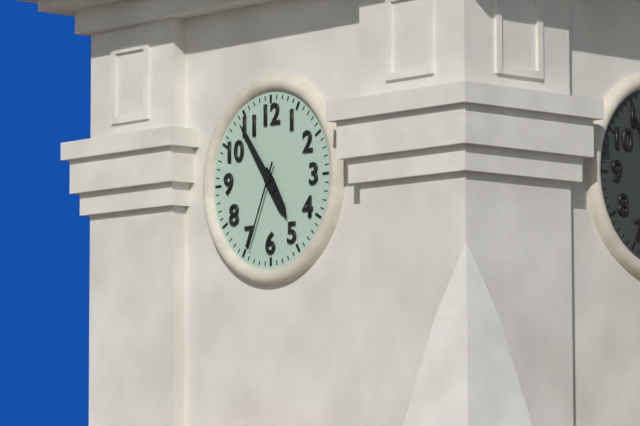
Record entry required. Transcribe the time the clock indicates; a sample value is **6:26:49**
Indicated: **4:54:34**
